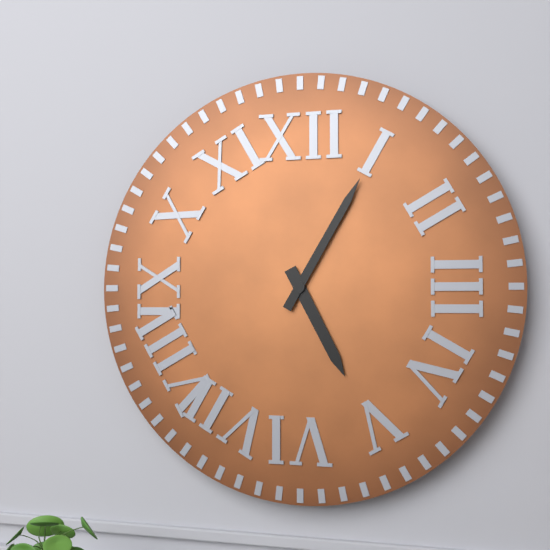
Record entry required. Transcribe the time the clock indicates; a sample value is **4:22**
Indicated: **5:05**
